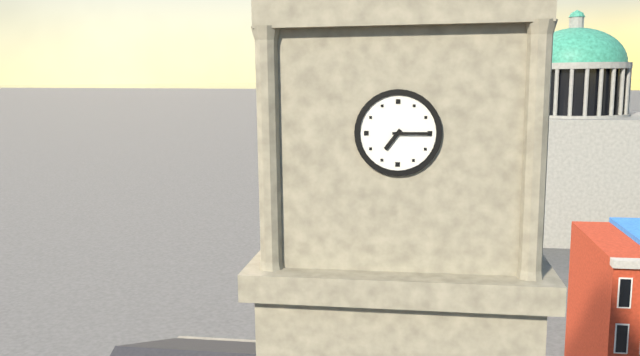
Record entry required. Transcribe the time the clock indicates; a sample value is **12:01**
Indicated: **7:15**
